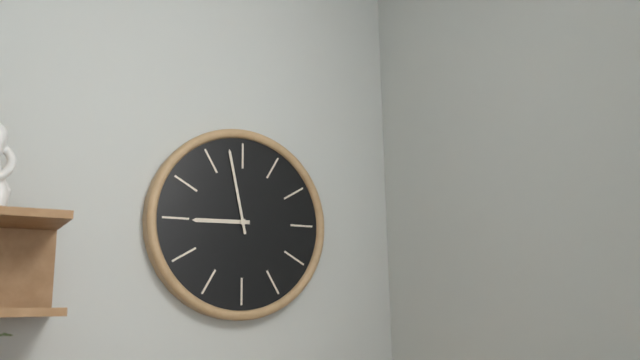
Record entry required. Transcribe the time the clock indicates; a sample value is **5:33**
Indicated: **8:58**
